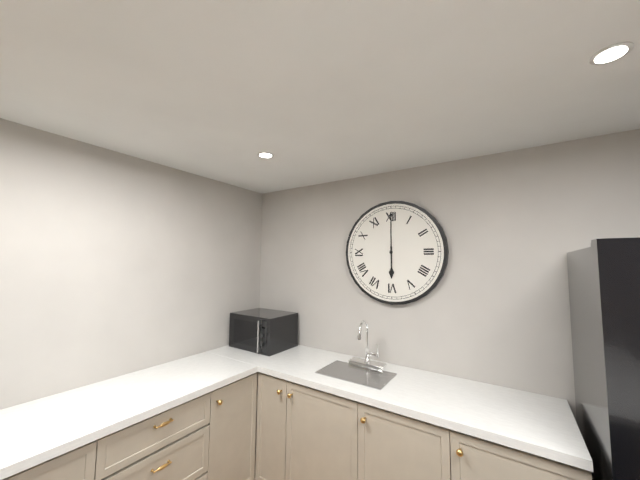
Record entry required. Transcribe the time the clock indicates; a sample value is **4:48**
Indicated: **6:00**
